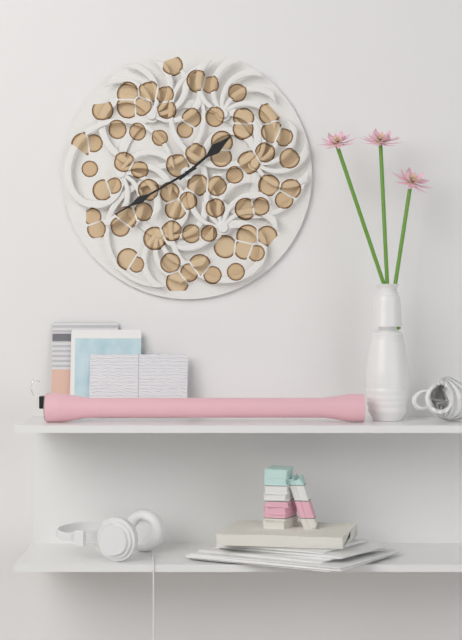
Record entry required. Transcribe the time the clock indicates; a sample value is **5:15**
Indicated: **1:40**
